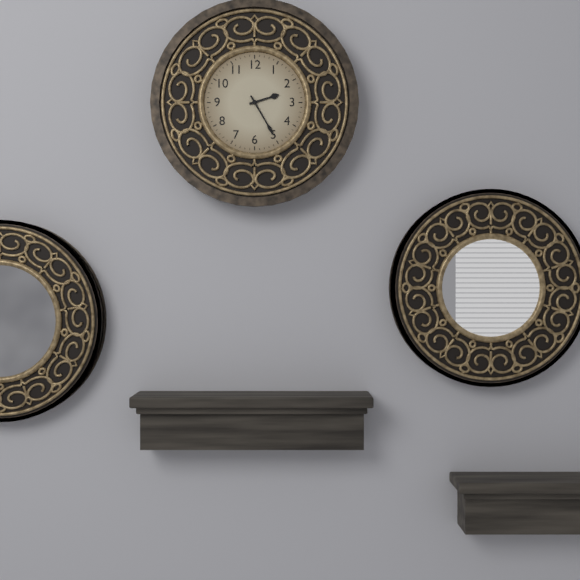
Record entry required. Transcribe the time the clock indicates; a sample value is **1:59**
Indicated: **2:25**
